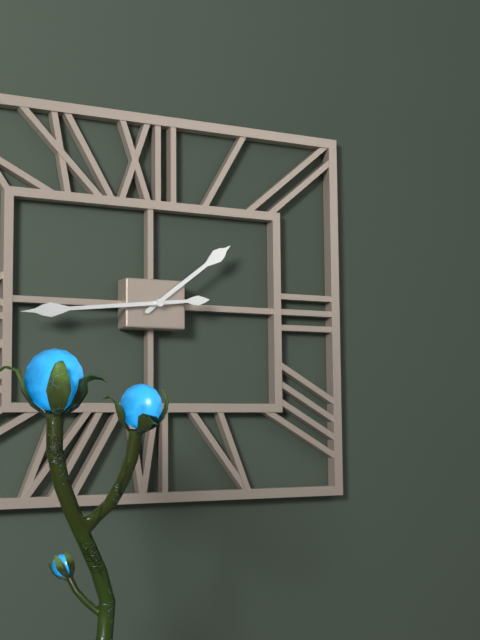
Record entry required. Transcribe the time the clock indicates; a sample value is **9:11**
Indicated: **1:44**
